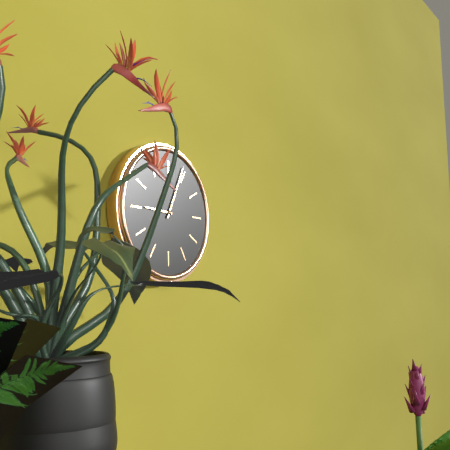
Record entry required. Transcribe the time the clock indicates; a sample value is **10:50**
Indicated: **9:04**
